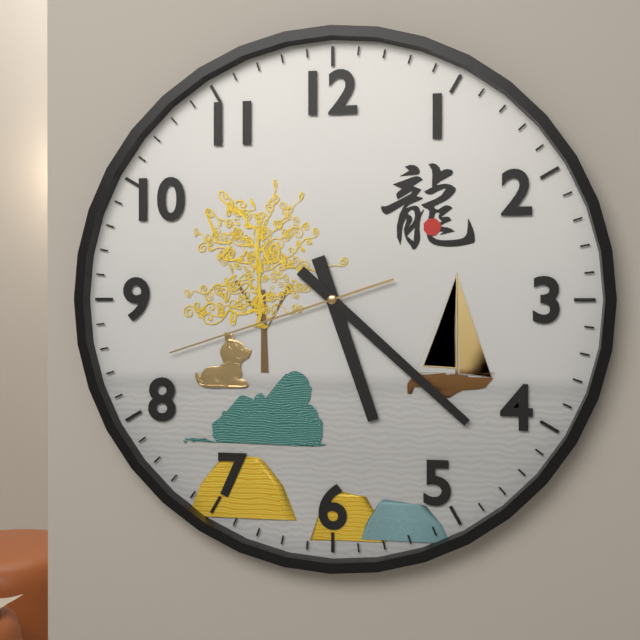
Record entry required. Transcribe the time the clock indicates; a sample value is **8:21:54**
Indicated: **5:22:42**
